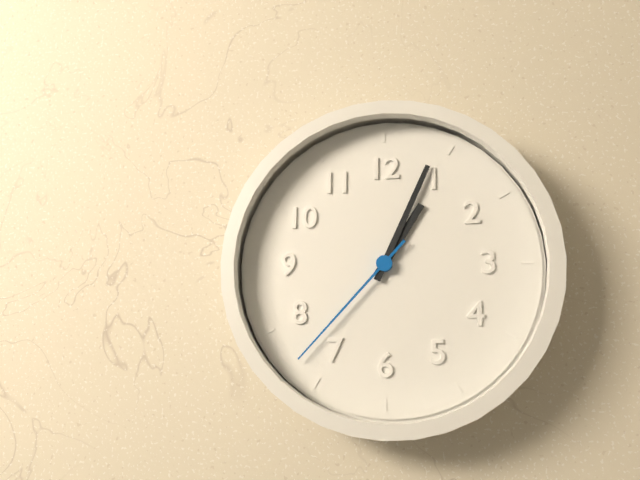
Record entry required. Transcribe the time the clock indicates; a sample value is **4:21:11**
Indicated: **1:04:37**
